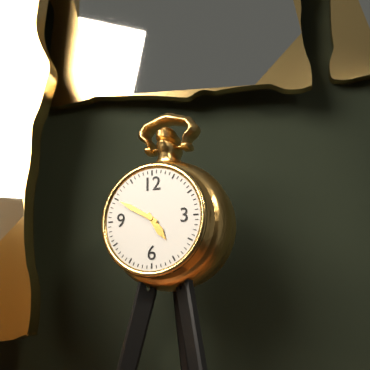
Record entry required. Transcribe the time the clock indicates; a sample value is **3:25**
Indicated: **4:50**
